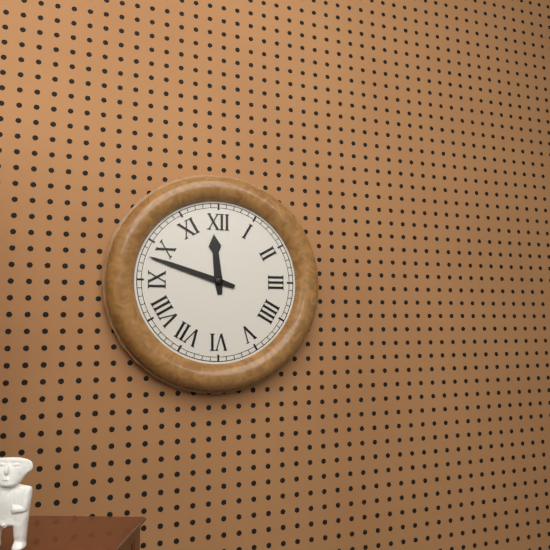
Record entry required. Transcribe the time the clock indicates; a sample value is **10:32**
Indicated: **11:48**
